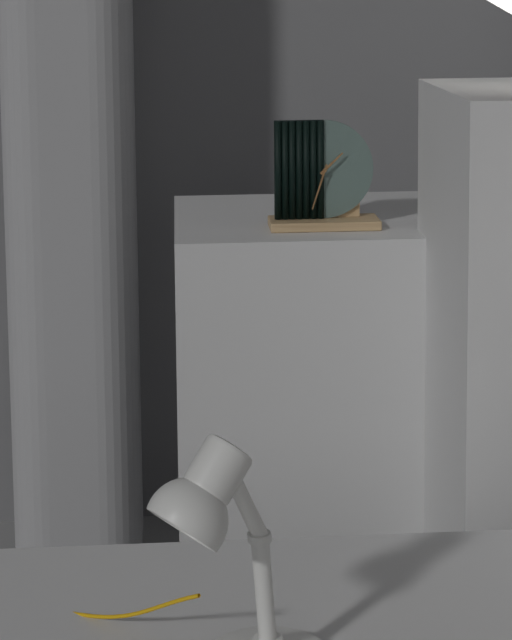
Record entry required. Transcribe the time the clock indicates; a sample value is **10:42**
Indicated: **1:33**
